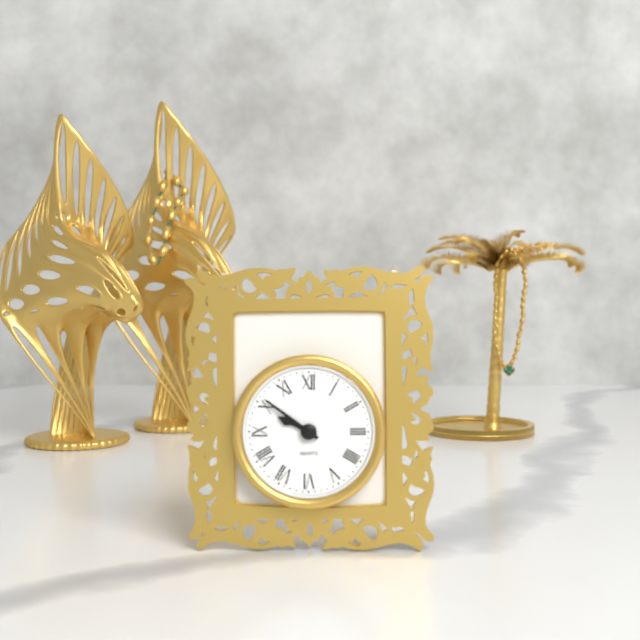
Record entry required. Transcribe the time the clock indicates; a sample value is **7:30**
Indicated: **9:51**
